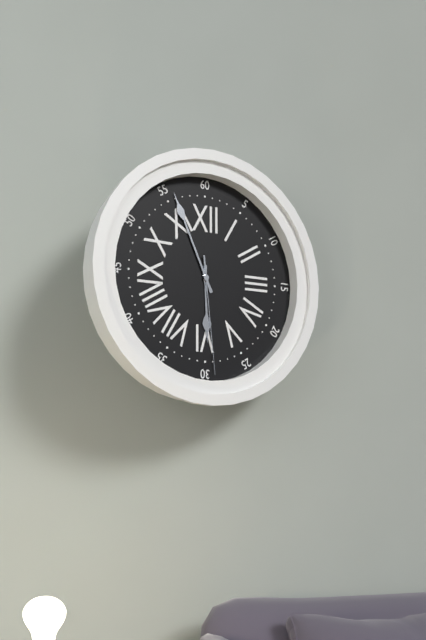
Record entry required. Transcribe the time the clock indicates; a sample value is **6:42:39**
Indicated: **5:56:29**
